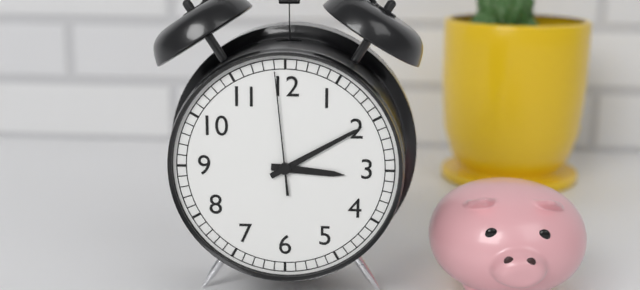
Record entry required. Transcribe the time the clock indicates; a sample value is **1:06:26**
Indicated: **3:10:59**
